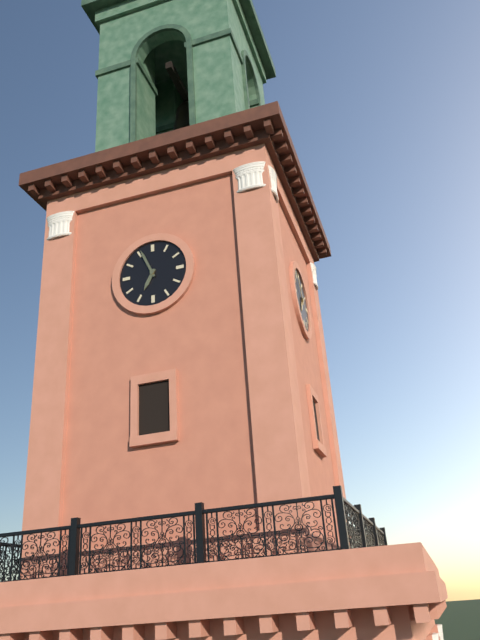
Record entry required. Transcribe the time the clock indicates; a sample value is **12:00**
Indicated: **6:56**
